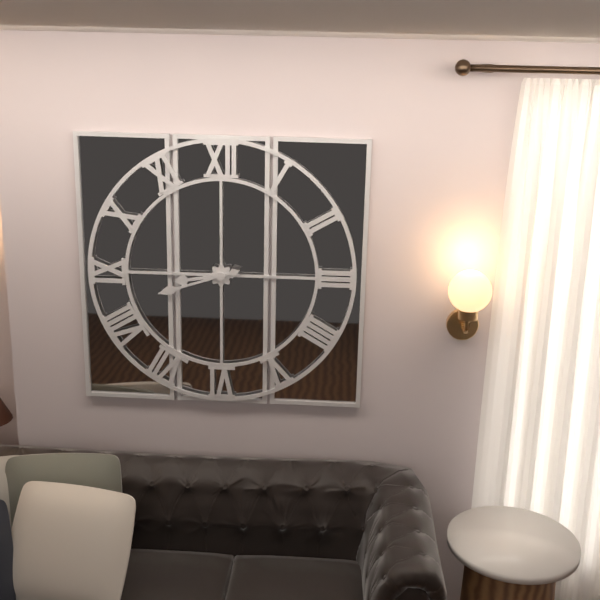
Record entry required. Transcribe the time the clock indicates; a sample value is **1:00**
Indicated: **8:42**
